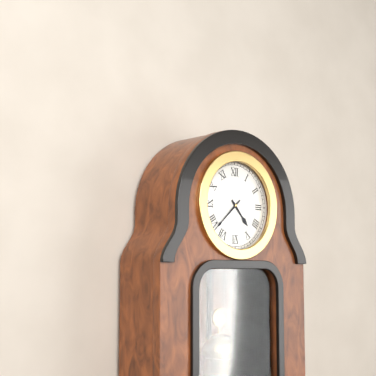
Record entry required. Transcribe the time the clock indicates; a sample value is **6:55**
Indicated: **4:38**
